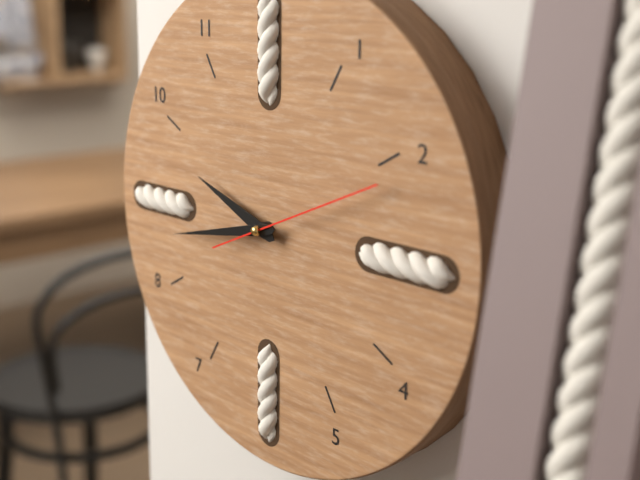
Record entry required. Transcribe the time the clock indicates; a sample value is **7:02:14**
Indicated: **9:43:11**
